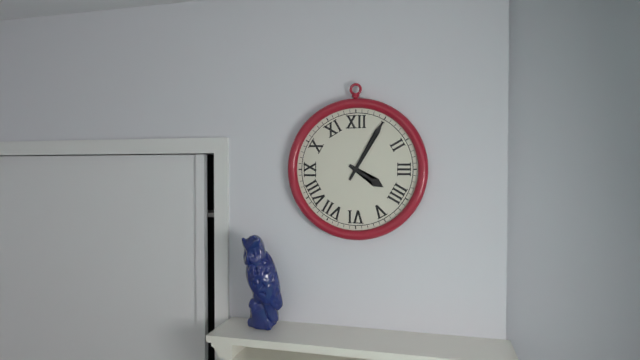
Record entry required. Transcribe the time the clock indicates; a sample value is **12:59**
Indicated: **4:05**
